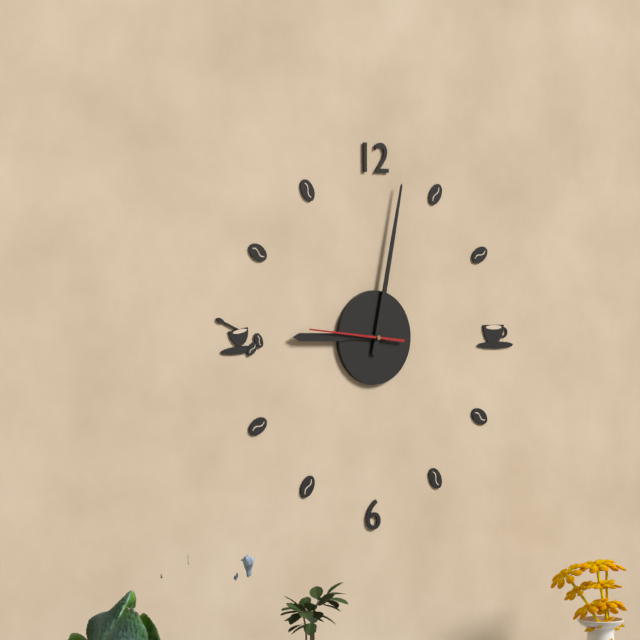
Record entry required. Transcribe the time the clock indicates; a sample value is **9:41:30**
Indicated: **9:02:46**
